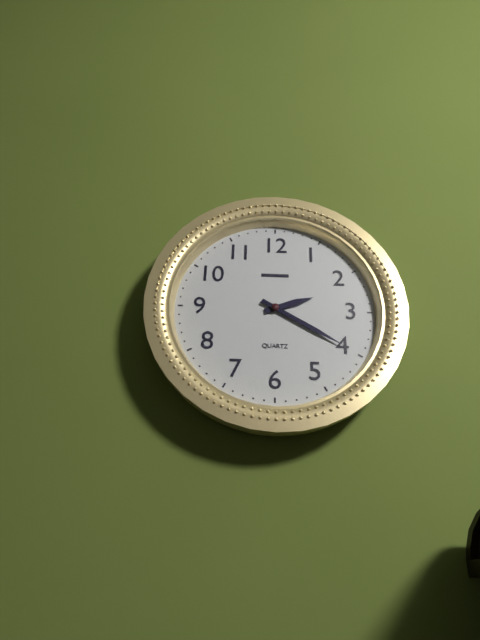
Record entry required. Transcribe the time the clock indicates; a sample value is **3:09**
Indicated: **2:20**
